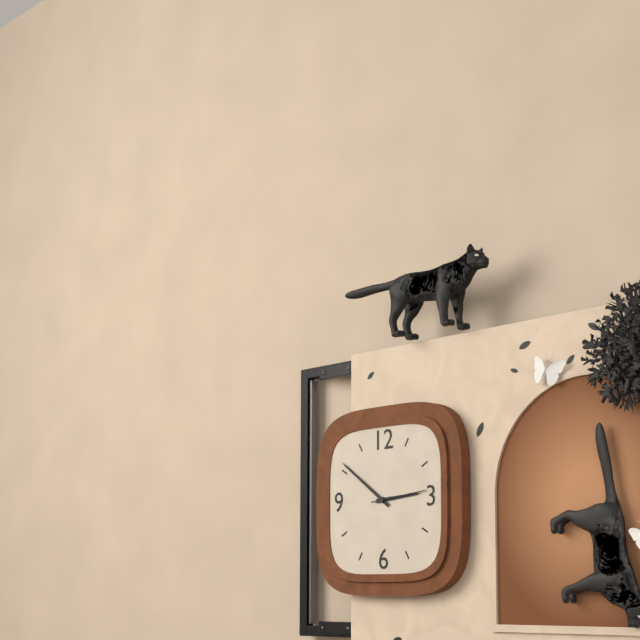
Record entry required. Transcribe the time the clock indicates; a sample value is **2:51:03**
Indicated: **2:51:14**
